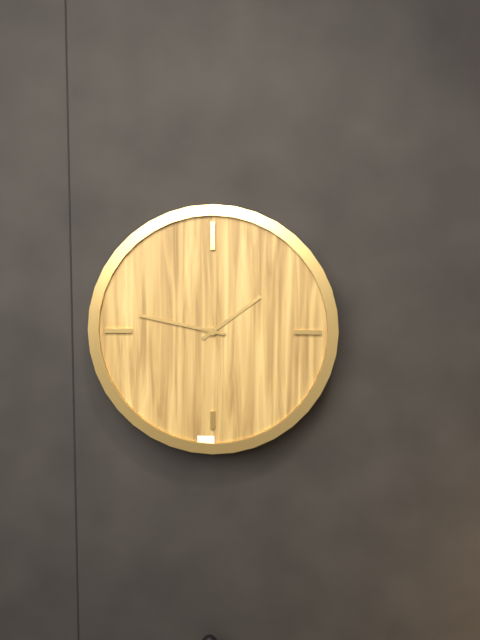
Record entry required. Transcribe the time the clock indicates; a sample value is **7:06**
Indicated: **1:47**
